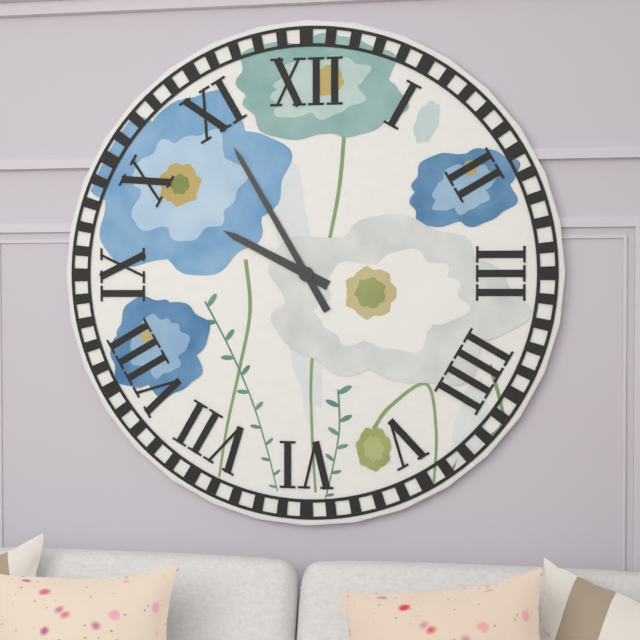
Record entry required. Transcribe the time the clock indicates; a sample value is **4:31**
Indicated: **9:55**
